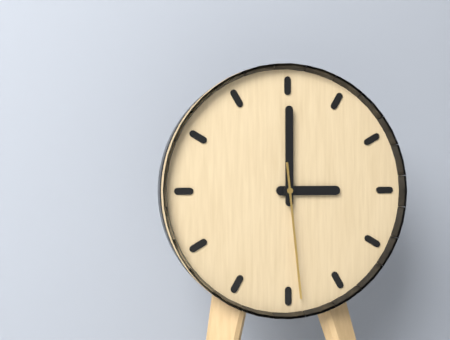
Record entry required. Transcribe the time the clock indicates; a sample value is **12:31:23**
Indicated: **3:00:29**
